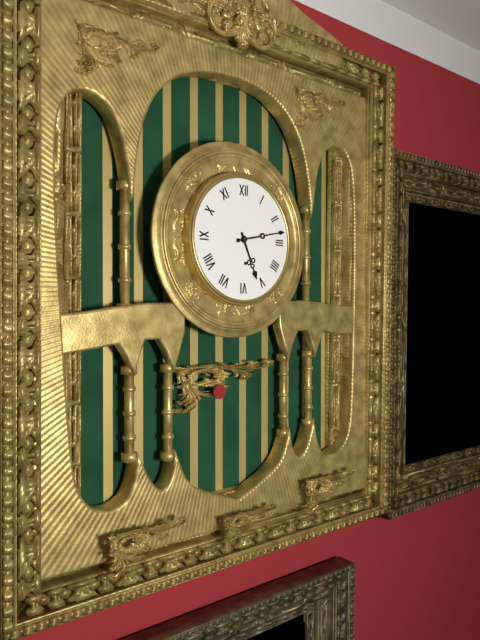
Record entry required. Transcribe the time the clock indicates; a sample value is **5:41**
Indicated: **5:13**
